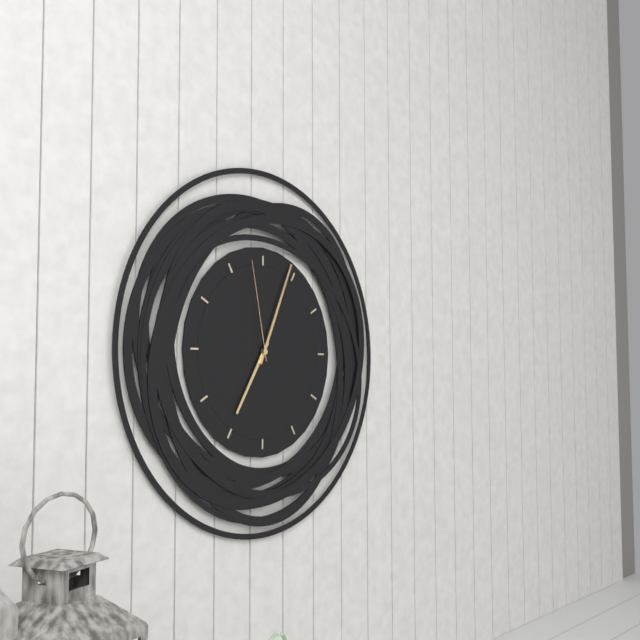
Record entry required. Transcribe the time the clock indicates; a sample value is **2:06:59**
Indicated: **7:04:58**
